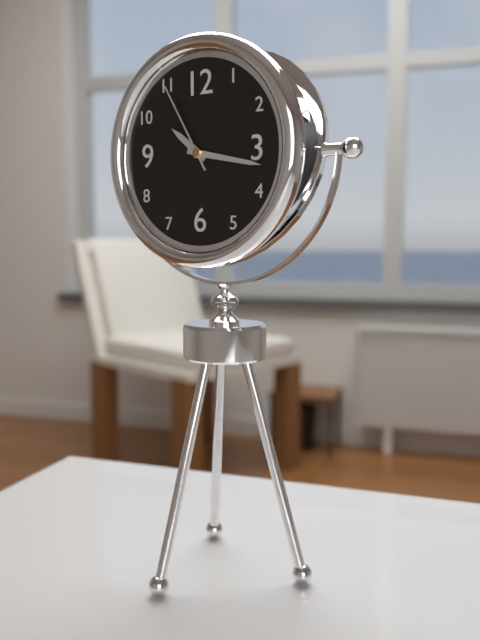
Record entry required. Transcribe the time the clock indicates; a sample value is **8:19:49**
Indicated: **10:17:55**
